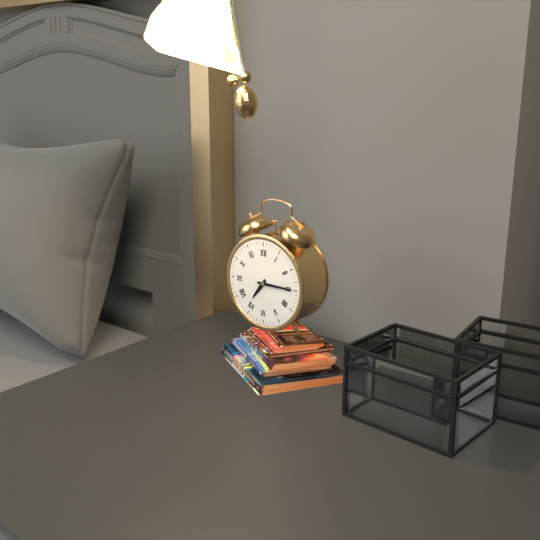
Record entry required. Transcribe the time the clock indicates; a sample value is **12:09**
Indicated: **7:15**
